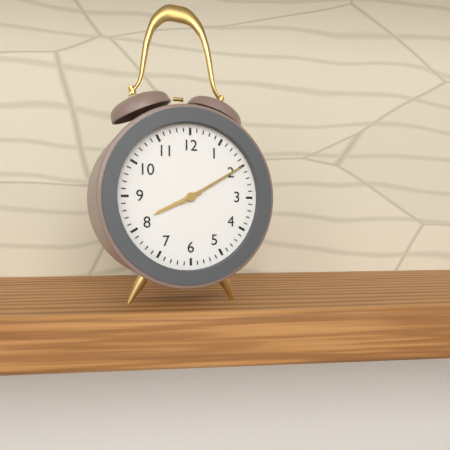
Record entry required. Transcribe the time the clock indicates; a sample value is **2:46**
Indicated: **8:10**
